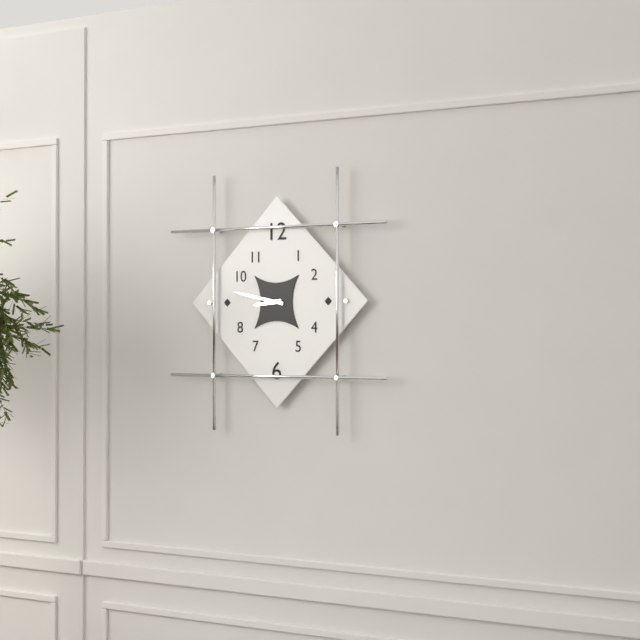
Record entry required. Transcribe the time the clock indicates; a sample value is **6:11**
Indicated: **8:47**
